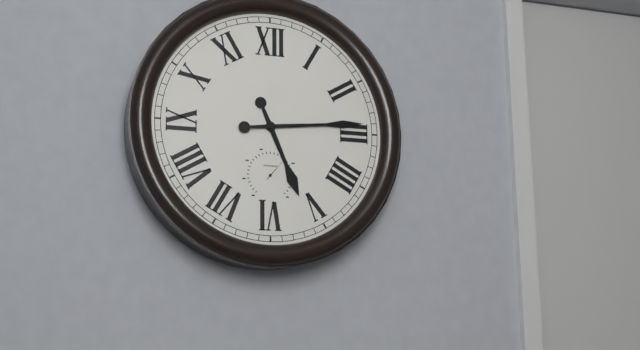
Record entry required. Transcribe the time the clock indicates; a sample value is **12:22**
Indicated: **5:14**
